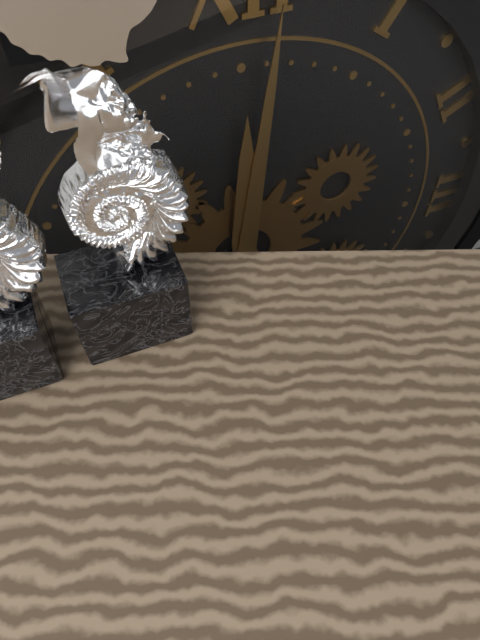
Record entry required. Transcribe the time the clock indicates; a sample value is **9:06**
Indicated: **12:01**
